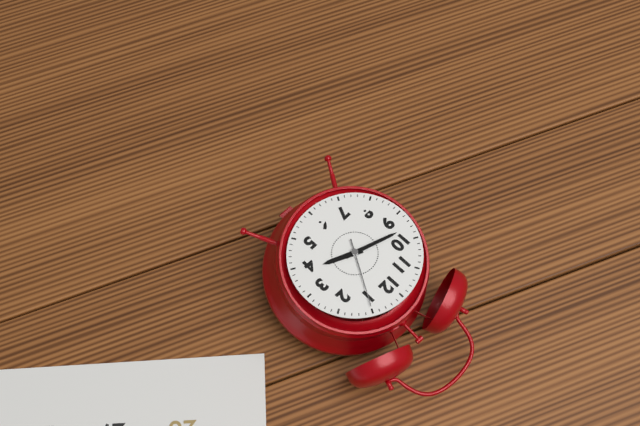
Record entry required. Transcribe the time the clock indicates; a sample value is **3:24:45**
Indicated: **3:48:05**
